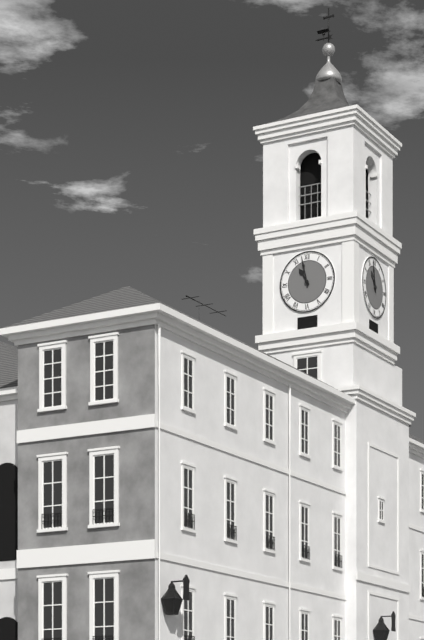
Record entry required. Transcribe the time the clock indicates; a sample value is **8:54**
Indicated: **10:58**
